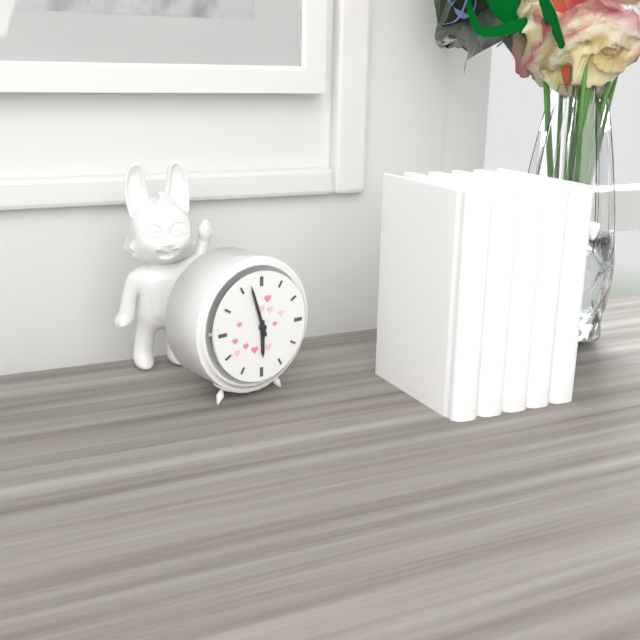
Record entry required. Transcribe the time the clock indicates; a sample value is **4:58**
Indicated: **5:57**
